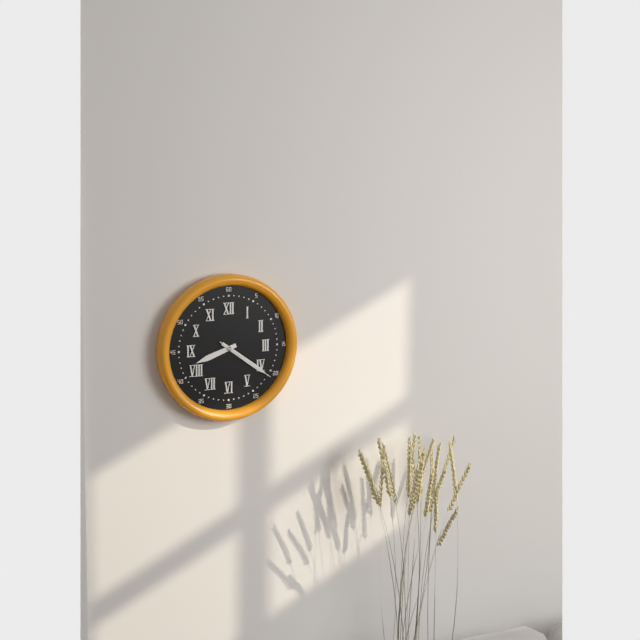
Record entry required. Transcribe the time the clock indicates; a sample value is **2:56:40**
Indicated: **8:21:21**
